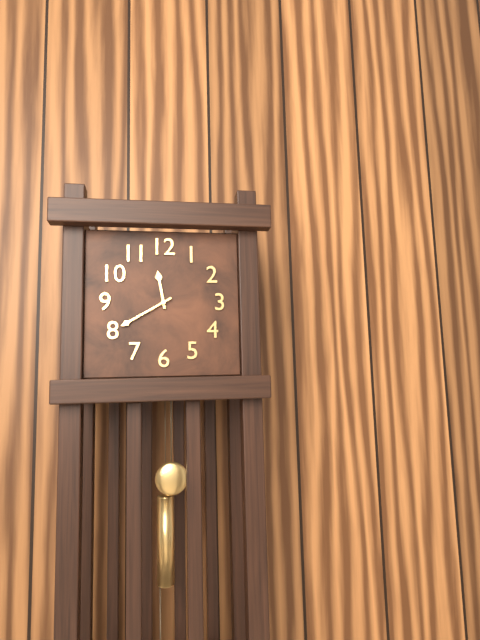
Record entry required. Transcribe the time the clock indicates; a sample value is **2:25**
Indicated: **11:40**
